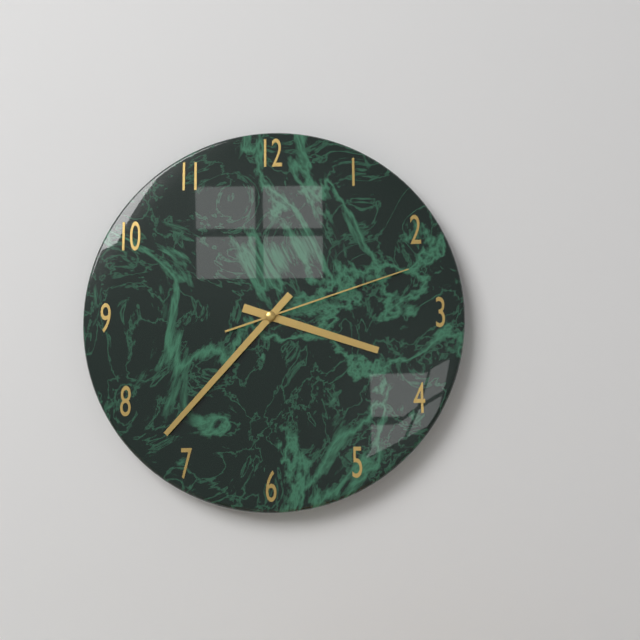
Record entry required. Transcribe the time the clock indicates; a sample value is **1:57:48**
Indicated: **3:37:12**
